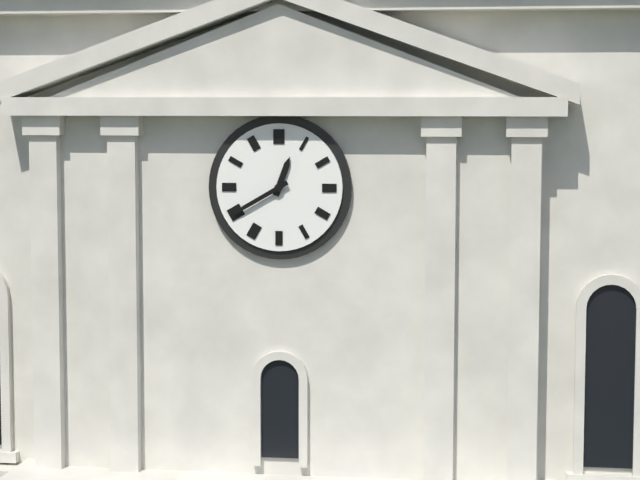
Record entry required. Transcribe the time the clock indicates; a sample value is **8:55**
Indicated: **12:40**
